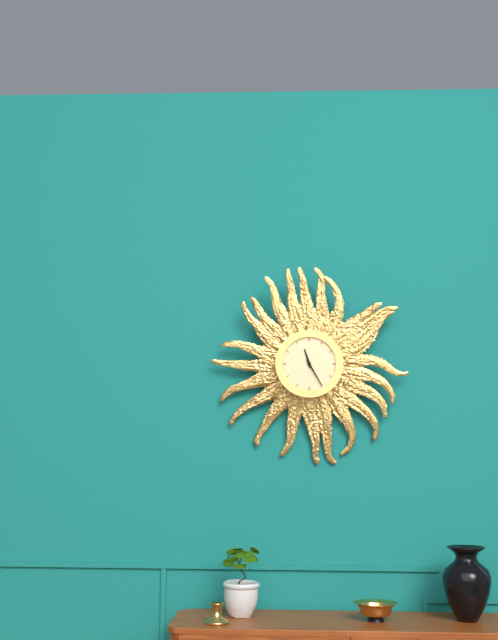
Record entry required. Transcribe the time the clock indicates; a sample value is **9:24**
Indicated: **11:25**
